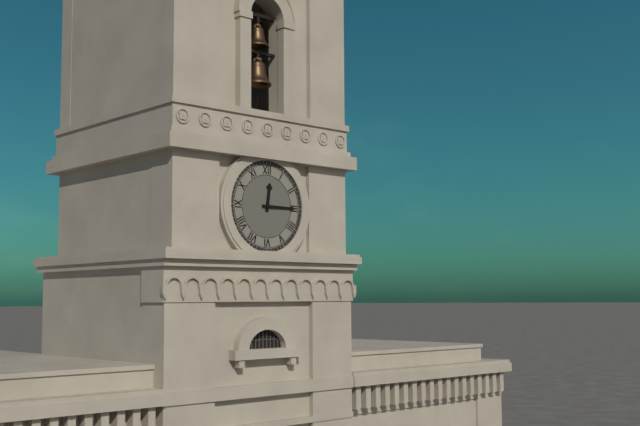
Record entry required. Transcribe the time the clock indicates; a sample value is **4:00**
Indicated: **12:15**
